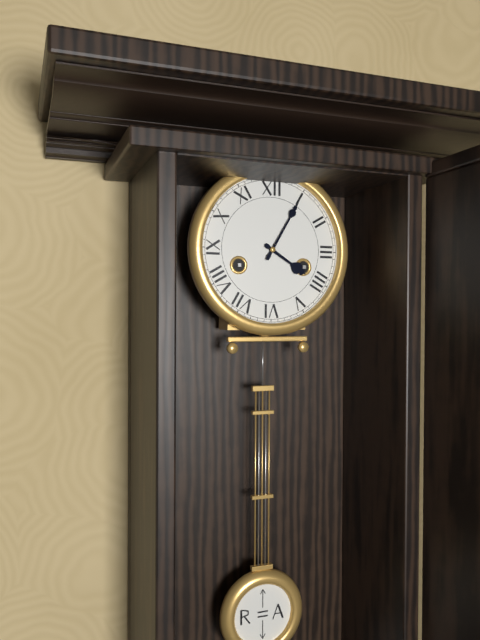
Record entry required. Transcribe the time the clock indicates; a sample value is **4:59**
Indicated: **4:05**
